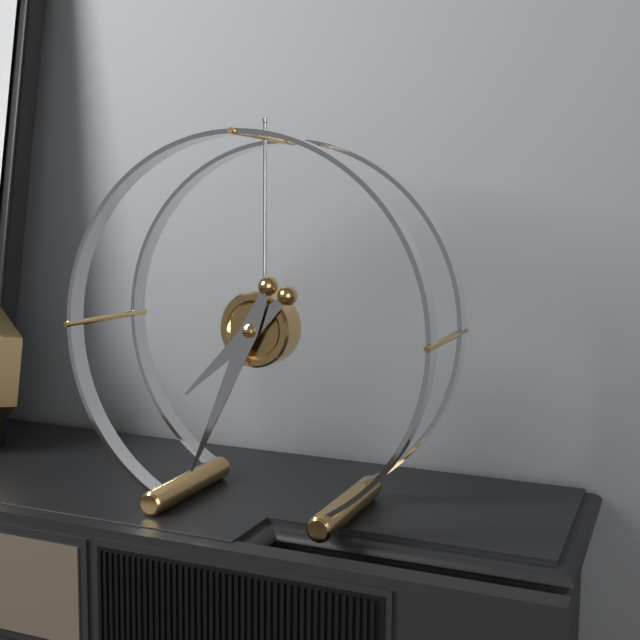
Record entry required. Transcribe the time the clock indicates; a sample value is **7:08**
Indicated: **7:34**
